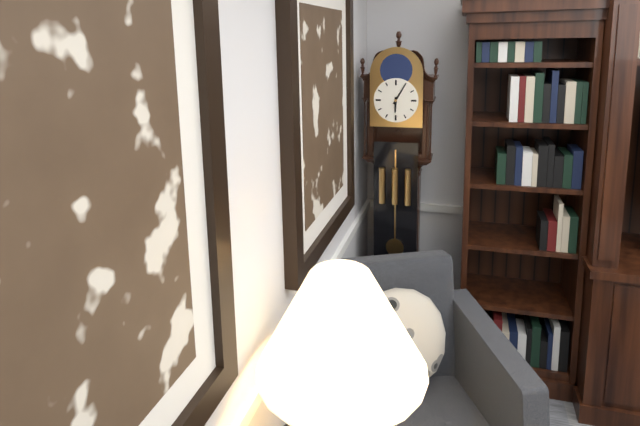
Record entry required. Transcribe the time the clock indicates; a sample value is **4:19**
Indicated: **6:05**
